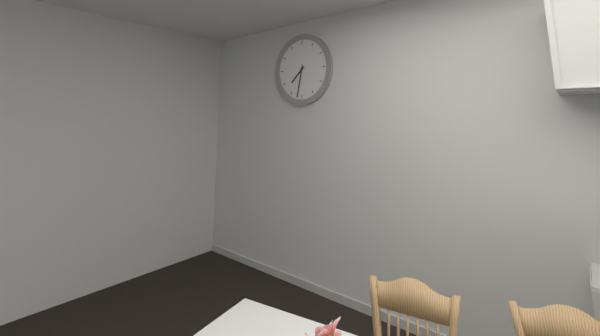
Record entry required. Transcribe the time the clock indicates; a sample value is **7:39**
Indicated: **7:32**
